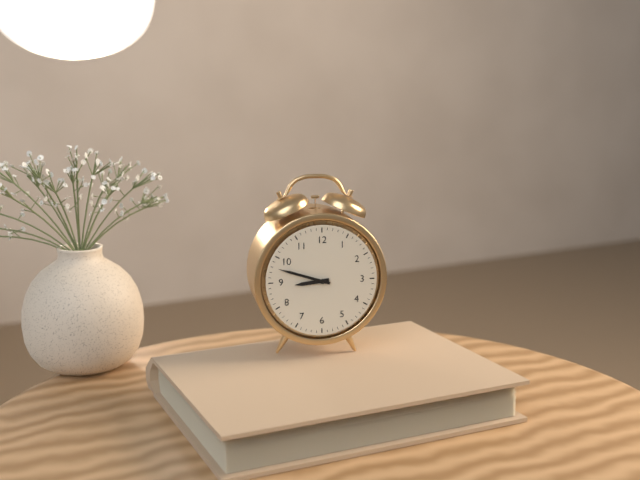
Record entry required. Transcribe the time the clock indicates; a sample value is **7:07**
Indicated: **8:48**
